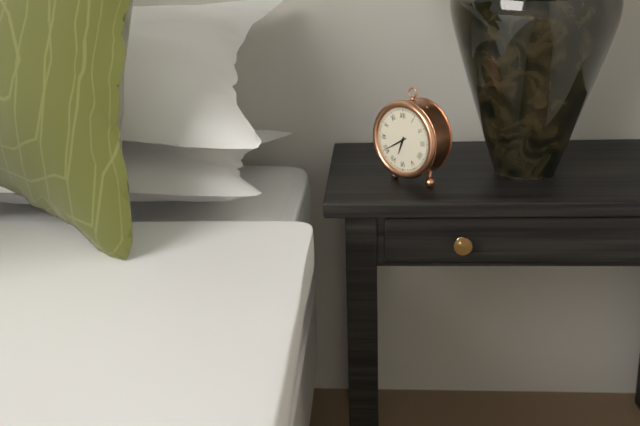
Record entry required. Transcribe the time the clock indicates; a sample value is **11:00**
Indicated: **6:40**
